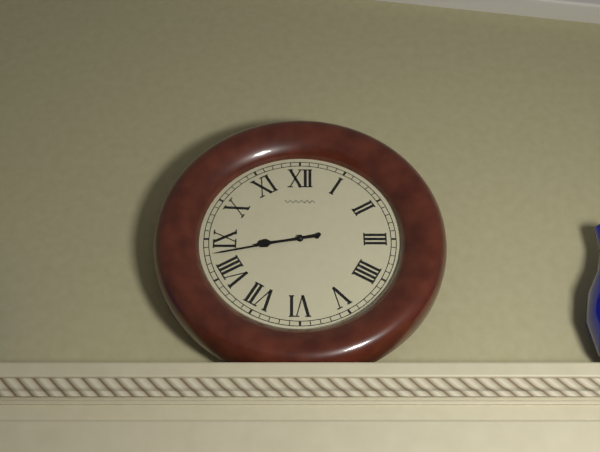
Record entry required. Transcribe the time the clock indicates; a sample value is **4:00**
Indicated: **8:43**
